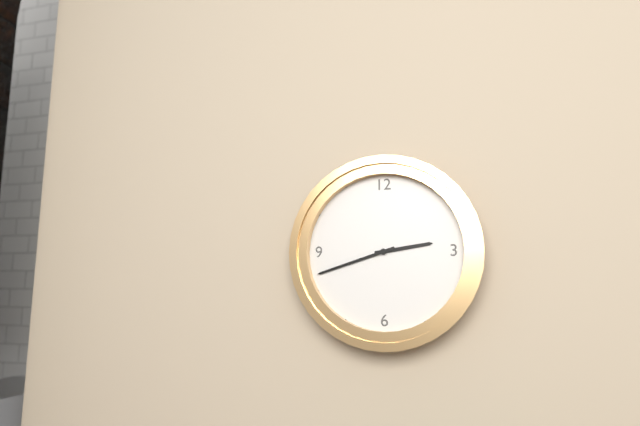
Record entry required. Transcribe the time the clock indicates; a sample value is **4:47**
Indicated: **2:42**
